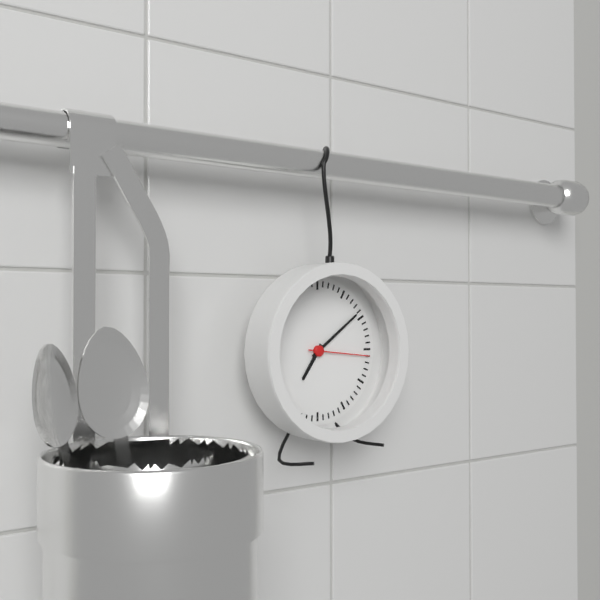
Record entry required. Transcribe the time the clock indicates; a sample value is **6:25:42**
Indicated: **7:09:16**
